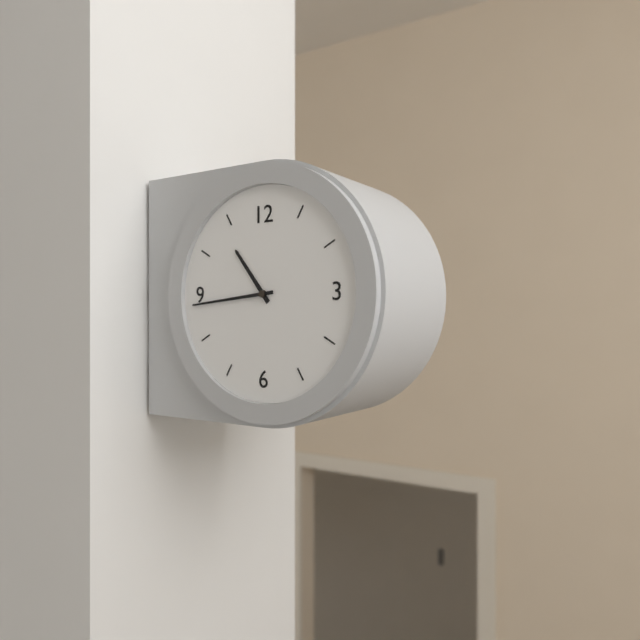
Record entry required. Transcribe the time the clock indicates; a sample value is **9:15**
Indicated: **10:44**
